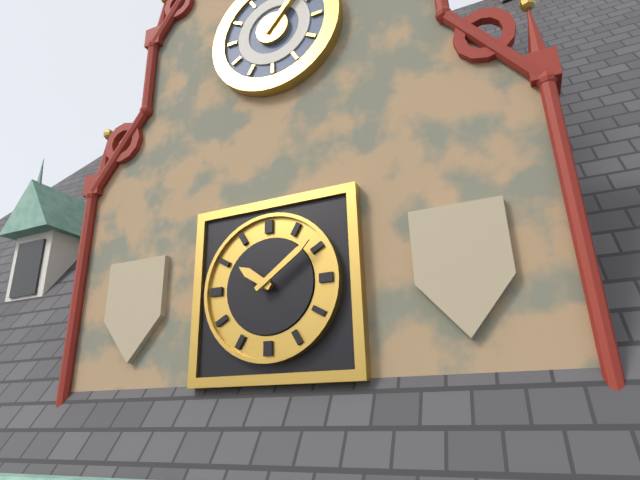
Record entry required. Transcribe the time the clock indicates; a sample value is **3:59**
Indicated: **10:09**
